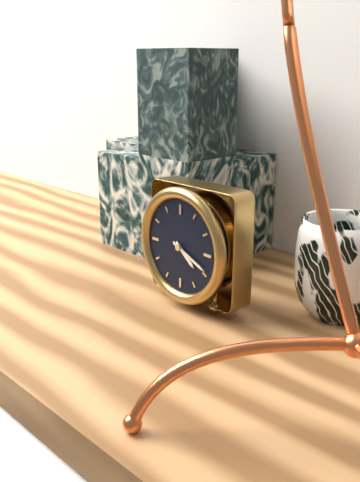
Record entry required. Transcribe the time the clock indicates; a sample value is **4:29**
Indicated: **4:19**
